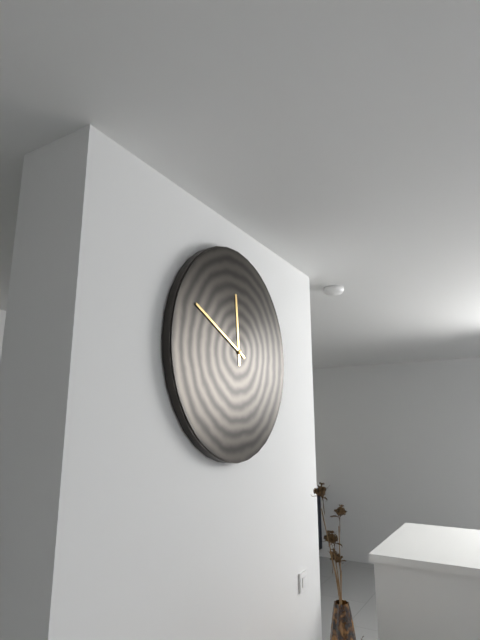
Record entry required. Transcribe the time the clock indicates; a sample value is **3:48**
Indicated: **11:49**
